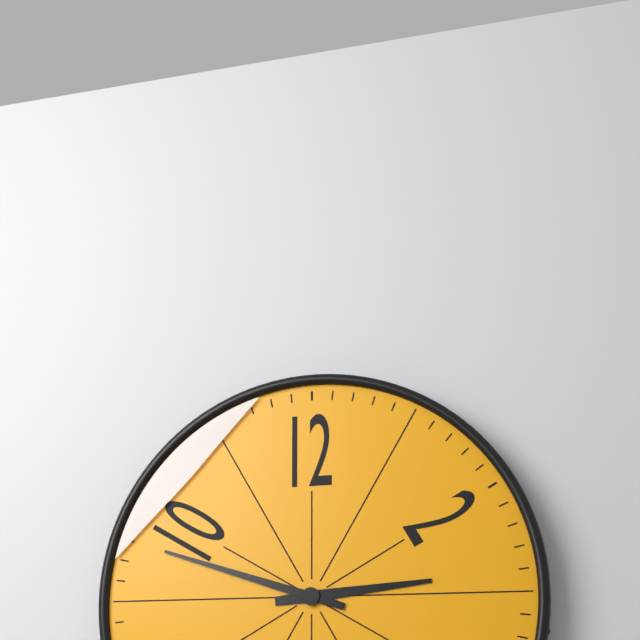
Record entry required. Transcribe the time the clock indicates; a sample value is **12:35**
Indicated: **2:48**
